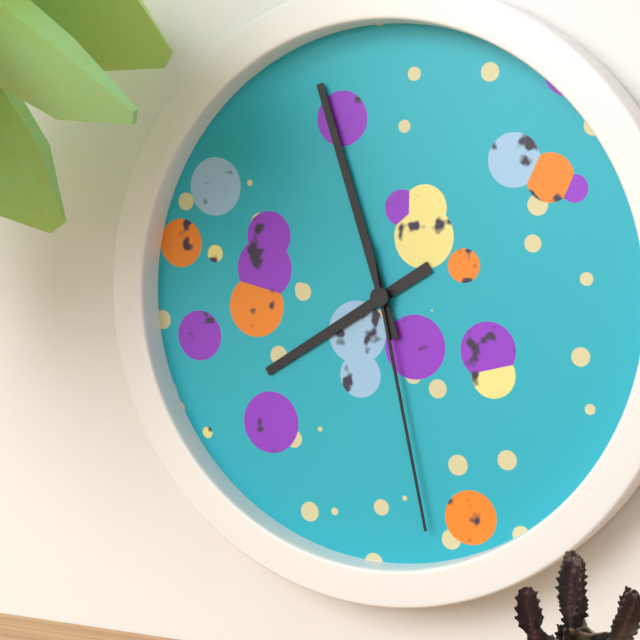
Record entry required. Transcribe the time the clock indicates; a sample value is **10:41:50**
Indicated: **7:57:28**
